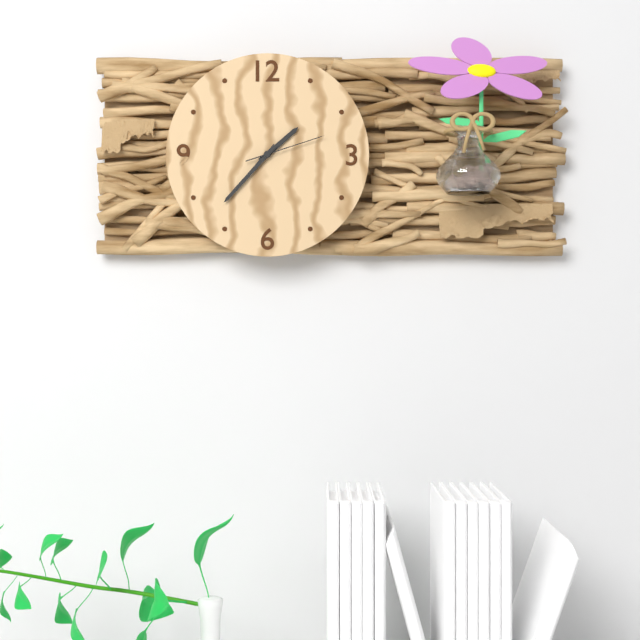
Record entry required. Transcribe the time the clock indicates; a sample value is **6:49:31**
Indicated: **1:37:12**
